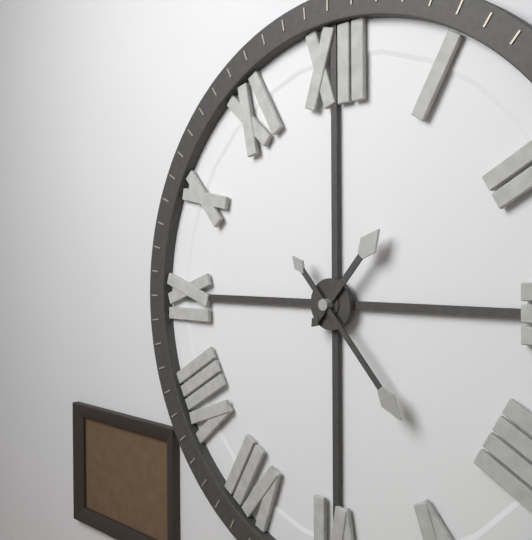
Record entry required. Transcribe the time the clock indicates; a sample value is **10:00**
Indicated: **1:23**
